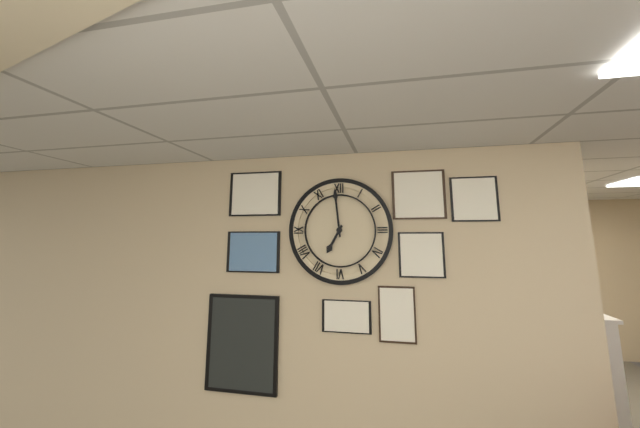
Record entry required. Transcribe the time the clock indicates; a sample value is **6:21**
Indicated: **6:59**
